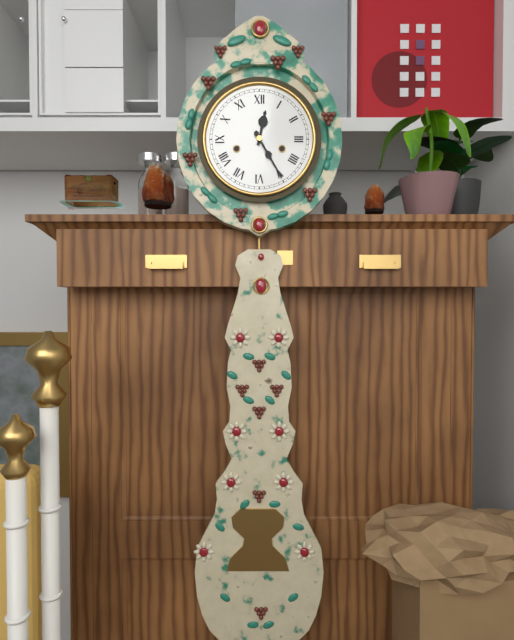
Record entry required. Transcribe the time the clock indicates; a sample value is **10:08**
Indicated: **12:25**
